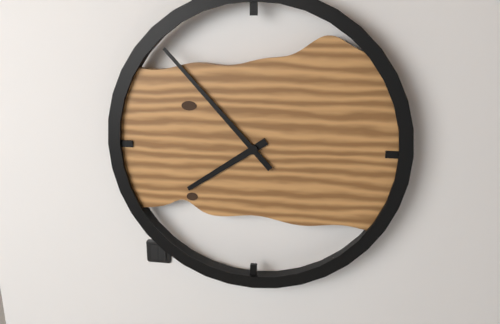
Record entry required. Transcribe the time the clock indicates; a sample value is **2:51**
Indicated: **7:53**
